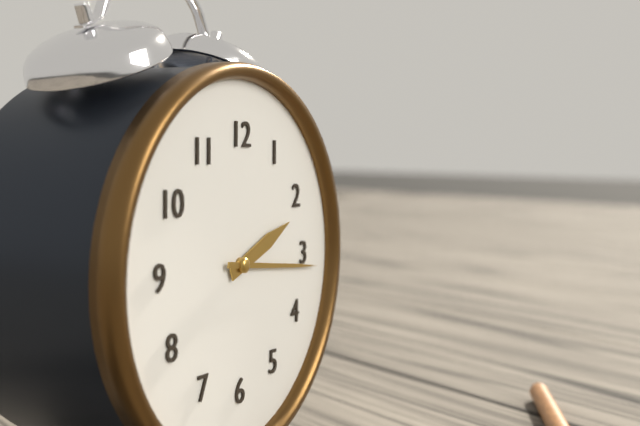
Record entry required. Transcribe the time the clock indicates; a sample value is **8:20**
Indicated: **2:16**
